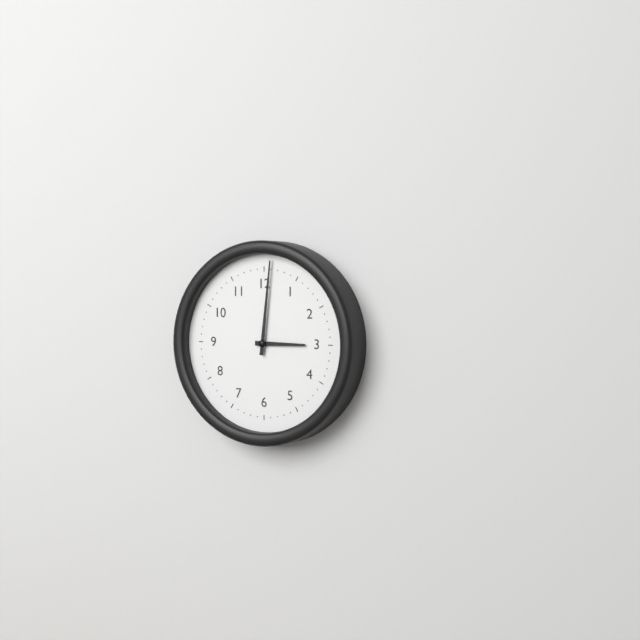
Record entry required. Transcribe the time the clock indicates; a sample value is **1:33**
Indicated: **3:01**
